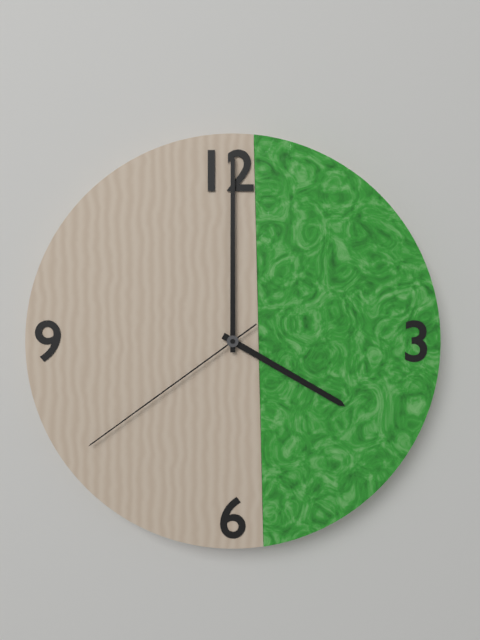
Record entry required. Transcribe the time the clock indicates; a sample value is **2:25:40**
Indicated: **4:00:39**
